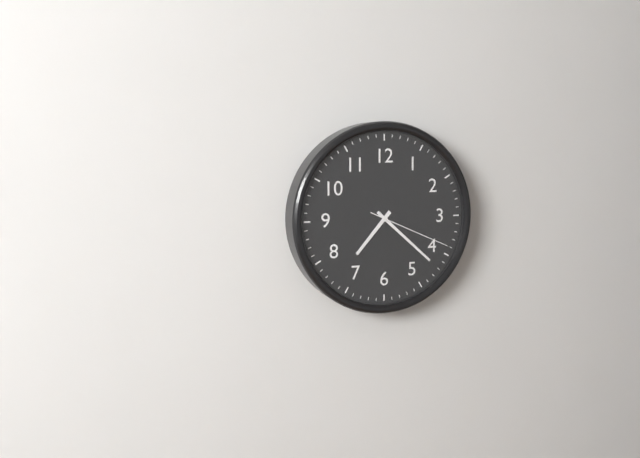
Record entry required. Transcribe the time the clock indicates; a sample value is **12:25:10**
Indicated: **7:22:19**
